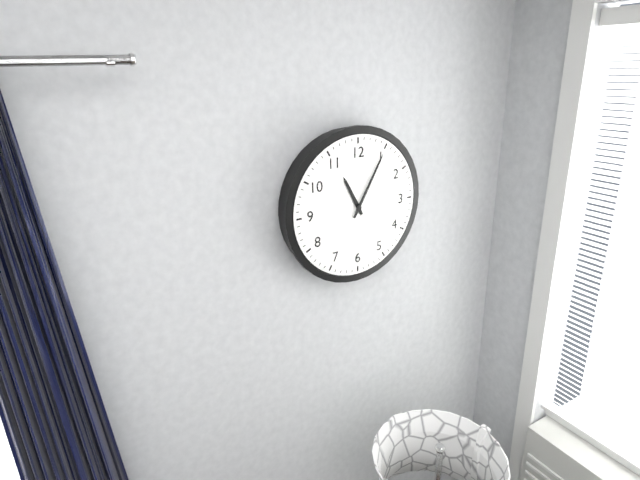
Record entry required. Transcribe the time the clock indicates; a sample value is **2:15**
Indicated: **11:05**
